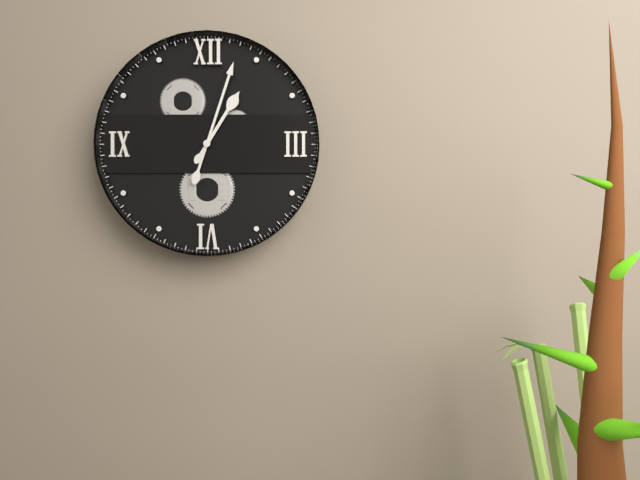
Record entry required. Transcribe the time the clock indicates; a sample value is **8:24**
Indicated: **1:03**
